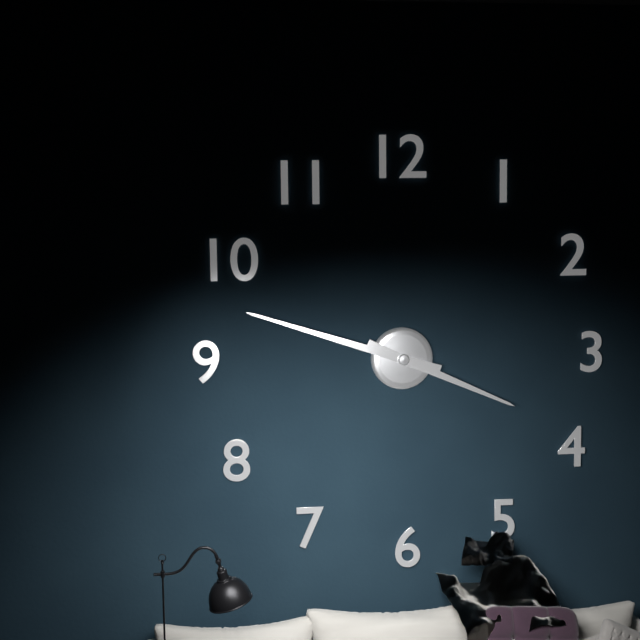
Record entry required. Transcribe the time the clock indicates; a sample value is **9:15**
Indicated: **3:48**
